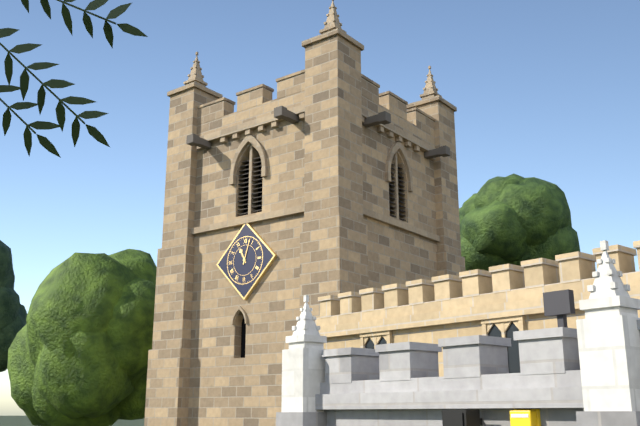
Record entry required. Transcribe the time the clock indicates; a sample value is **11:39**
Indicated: **11:03**
